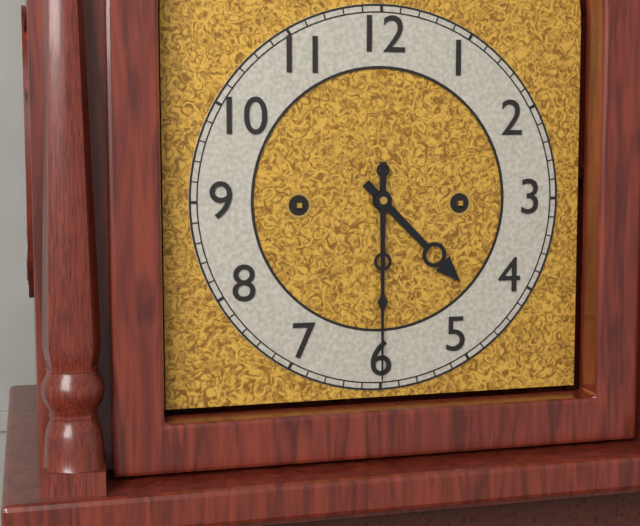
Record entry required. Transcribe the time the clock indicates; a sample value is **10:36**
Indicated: **4:30**
